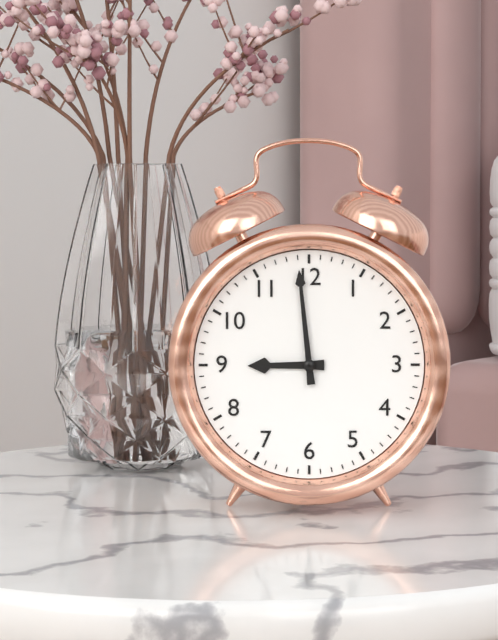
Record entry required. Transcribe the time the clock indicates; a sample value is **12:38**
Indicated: **8:59**
